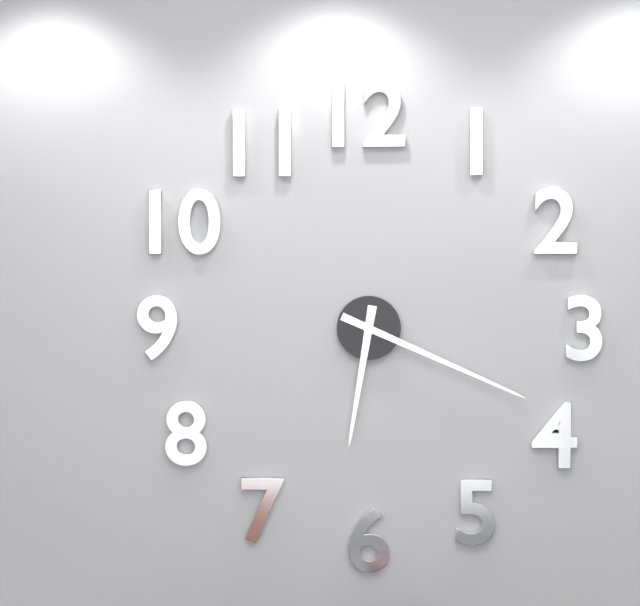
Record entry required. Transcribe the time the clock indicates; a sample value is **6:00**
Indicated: **6:19**
